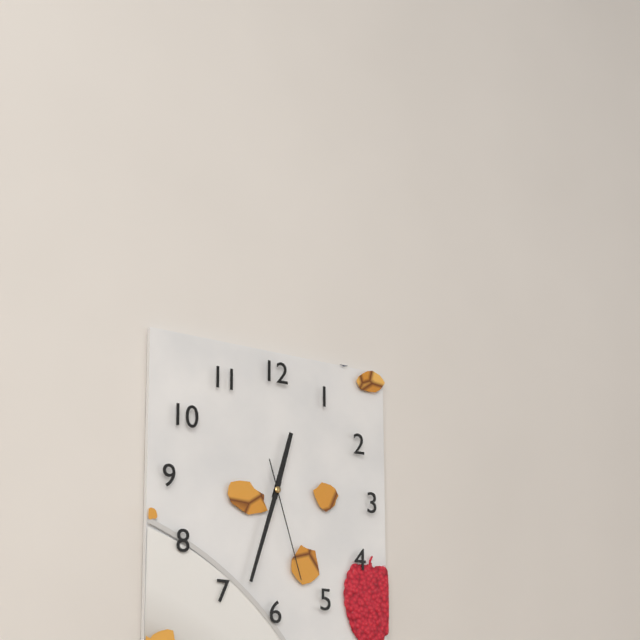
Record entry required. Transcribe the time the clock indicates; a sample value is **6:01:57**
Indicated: **12:33:27**
